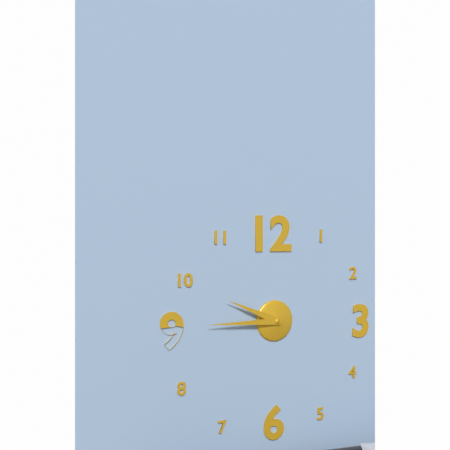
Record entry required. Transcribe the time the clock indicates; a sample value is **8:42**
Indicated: **9:45**
